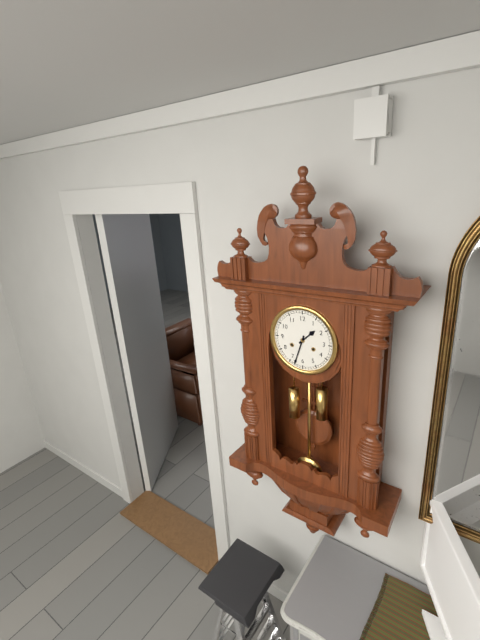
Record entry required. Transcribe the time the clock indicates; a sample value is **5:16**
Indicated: **1:33**
